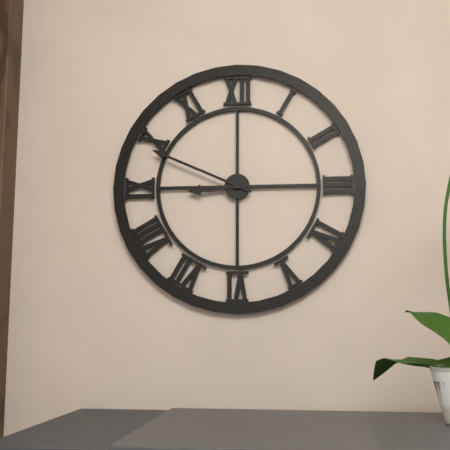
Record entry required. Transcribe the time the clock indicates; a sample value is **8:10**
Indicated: **8:49**
